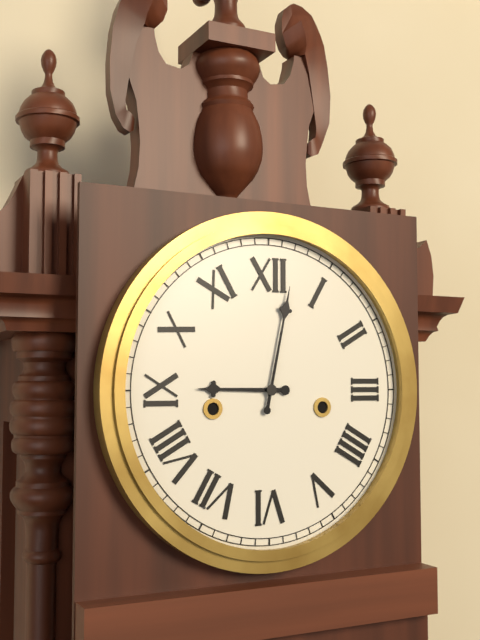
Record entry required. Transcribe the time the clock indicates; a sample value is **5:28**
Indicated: **9:02**
